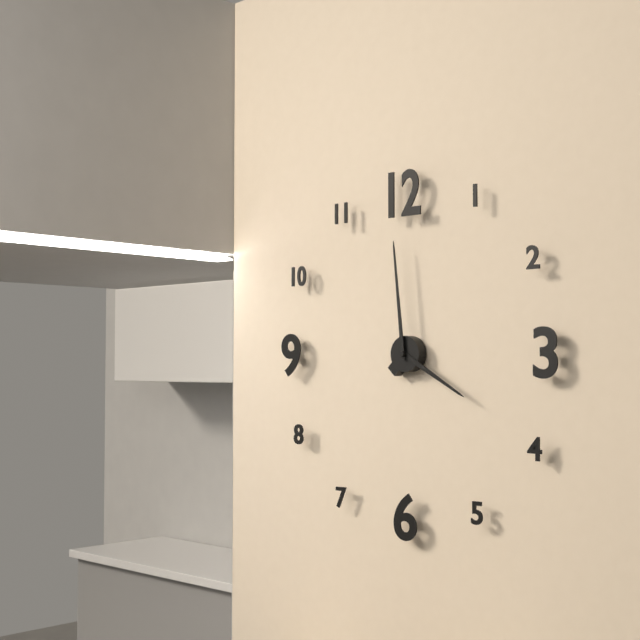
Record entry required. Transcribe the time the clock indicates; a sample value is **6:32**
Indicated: **3:59**
